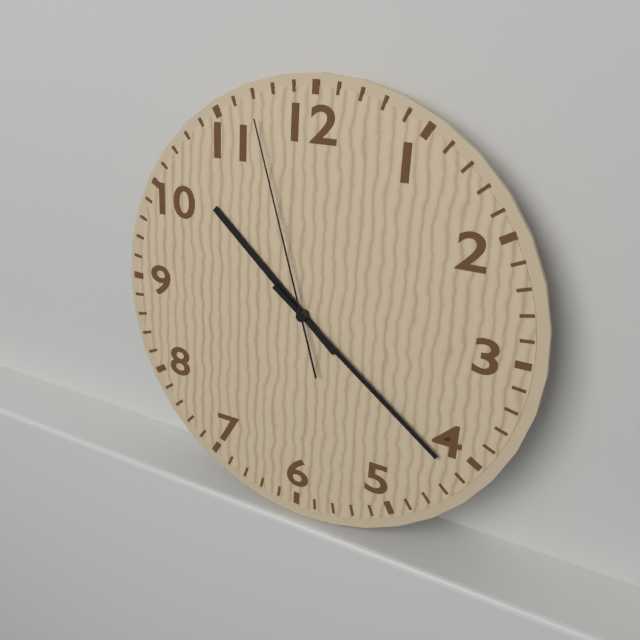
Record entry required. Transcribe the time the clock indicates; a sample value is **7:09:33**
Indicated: **10:21:57**
